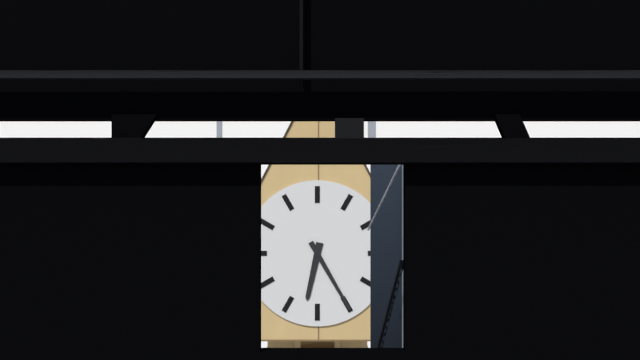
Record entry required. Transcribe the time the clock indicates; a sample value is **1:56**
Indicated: **6:25**
